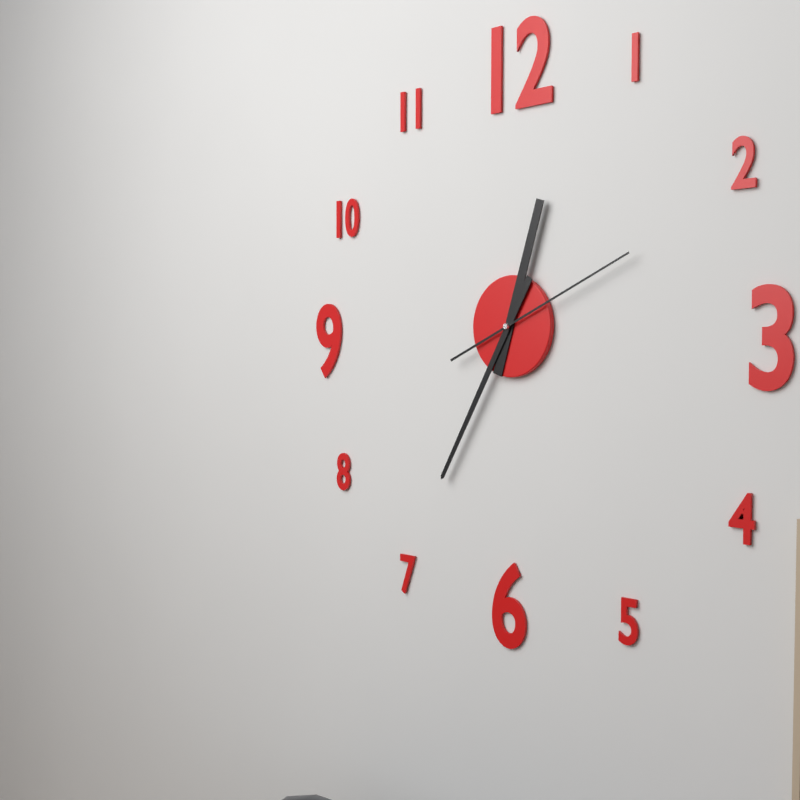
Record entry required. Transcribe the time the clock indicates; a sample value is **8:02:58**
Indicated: **12:35:11**
